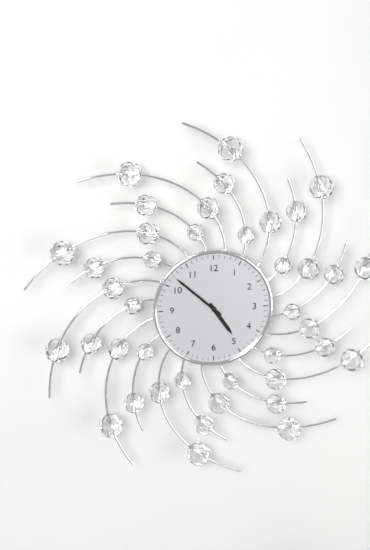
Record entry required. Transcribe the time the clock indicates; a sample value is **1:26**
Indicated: **4:52**
